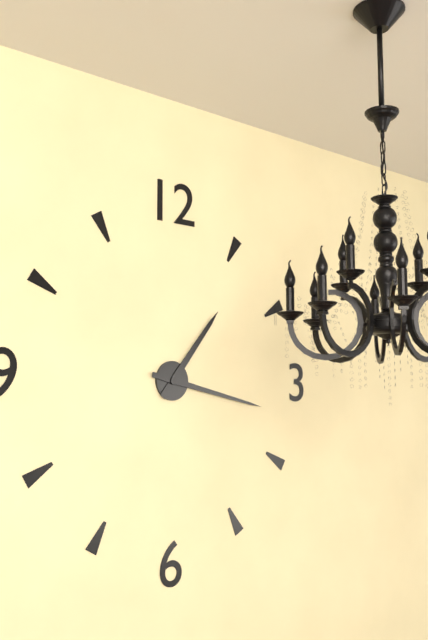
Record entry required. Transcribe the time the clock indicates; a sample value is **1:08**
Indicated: **1:17**
